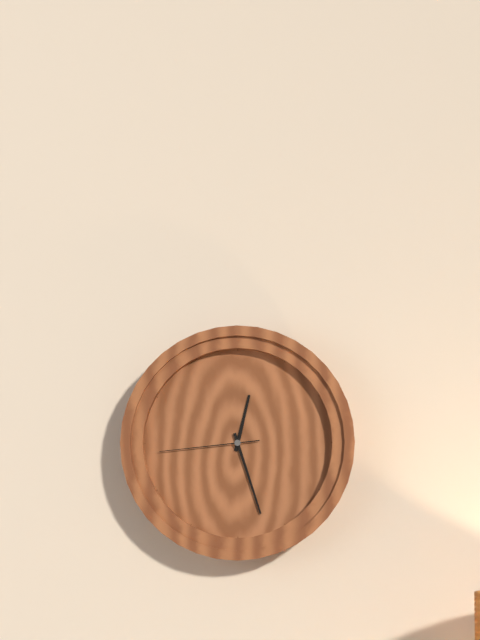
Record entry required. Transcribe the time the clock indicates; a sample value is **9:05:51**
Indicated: **12:27:44**
